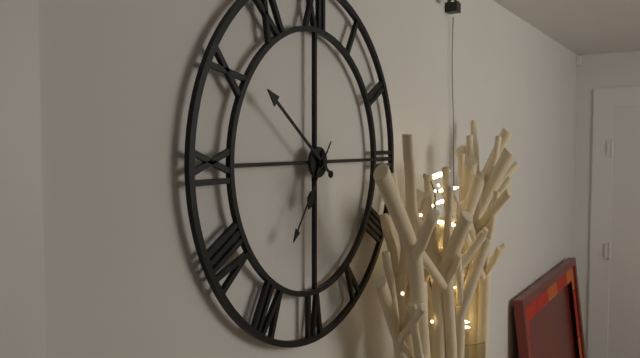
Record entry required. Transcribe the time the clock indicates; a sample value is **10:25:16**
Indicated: **6:51:36**
